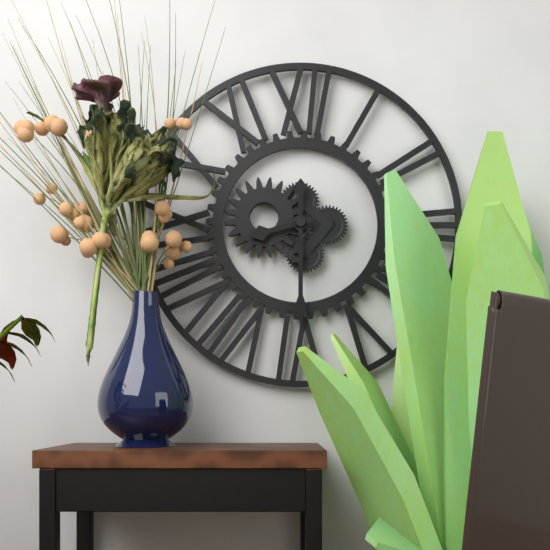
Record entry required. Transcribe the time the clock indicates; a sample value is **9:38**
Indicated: **8:30**
